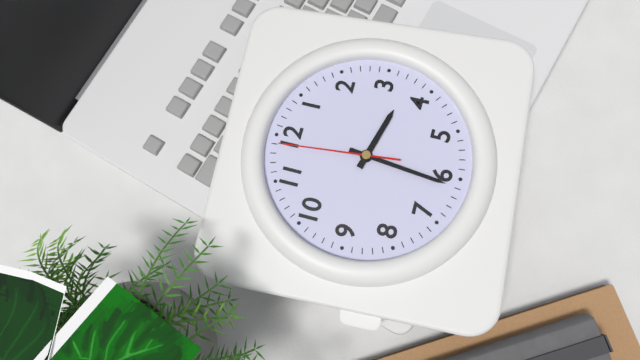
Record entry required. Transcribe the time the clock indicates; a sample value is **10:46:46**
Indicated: **3:31:59**
